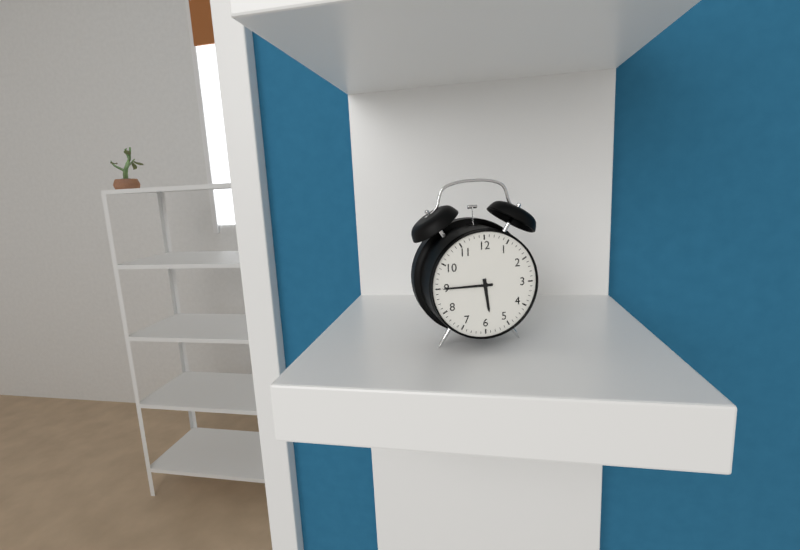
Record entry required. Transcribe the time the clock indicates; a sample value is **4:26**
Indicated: **5:45**
